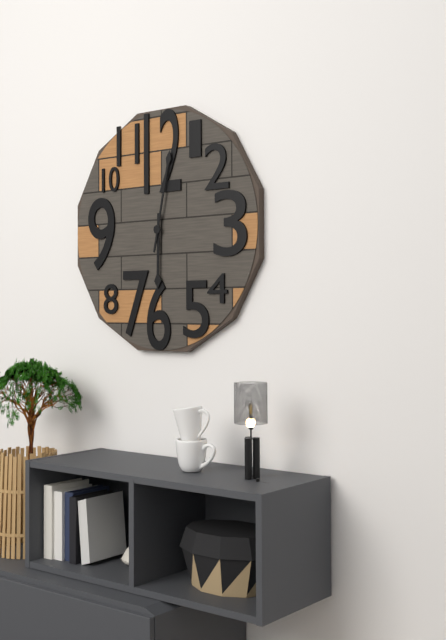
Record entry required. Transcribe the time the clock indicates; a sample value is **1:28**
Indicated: **6:02**
